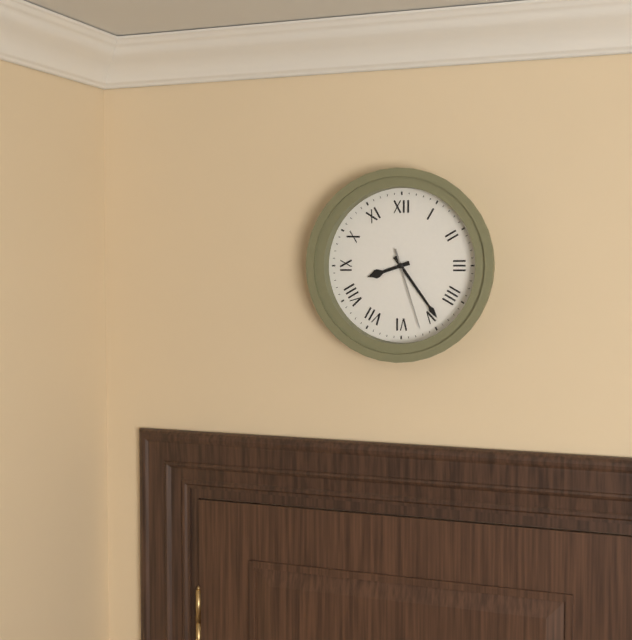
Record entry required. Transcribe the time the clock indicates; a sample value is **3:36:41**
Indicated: **8:24:27**
